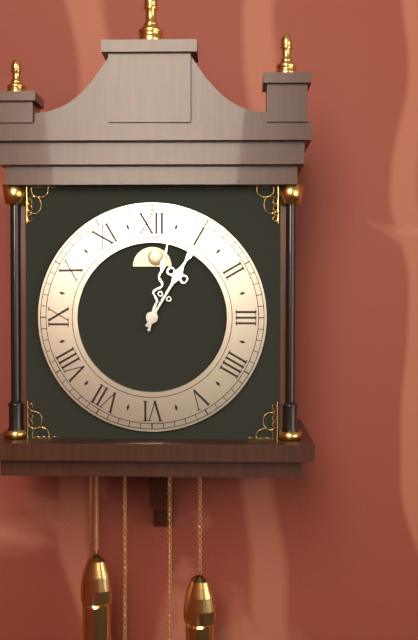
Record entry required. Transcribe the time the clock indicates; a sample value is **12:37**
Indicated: **1:02**
